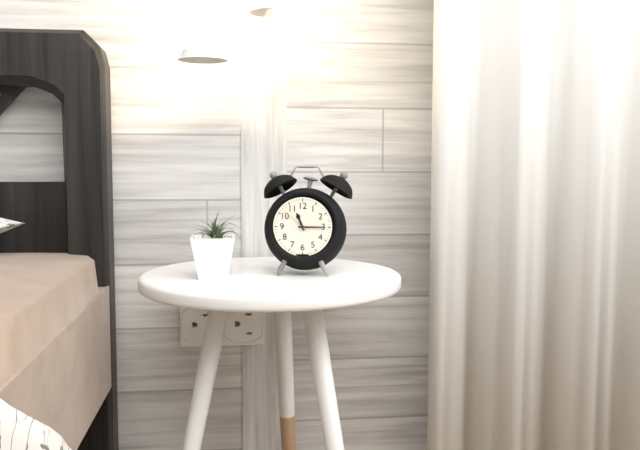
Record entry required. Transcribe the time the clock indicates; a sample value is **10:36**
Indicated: **11:15**
